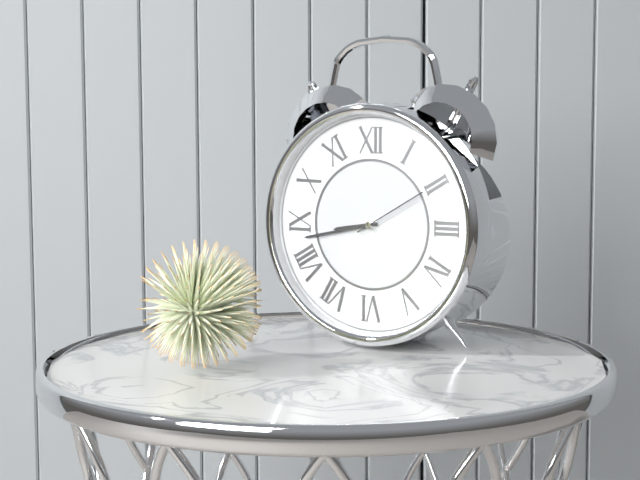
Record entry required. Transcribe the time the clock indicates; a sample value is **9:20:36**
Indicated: **8:43:10**
